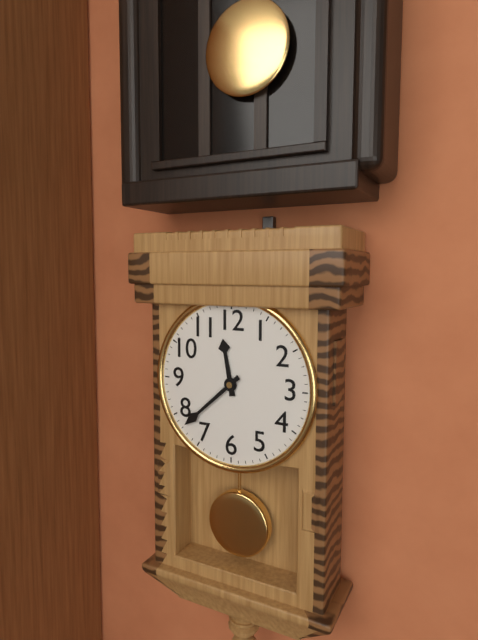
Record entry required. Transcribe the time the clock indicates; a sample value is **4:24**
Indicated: **11:38**
